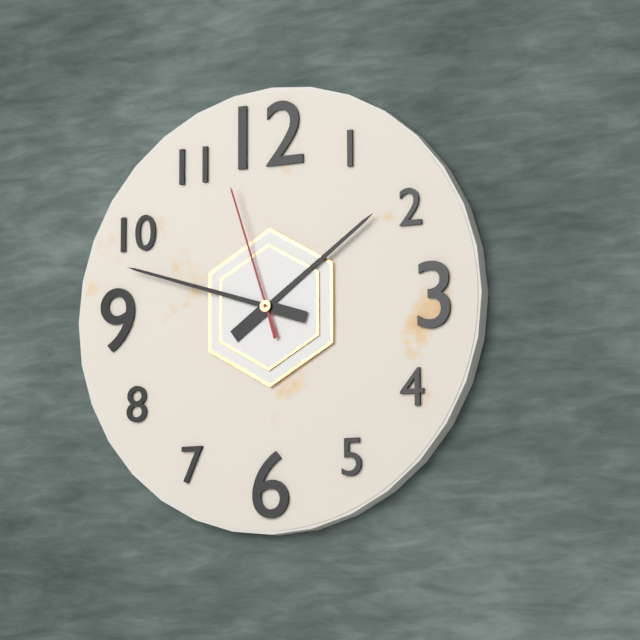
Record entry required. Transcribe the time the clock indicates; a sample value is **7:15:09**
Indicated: **1:48:57**
